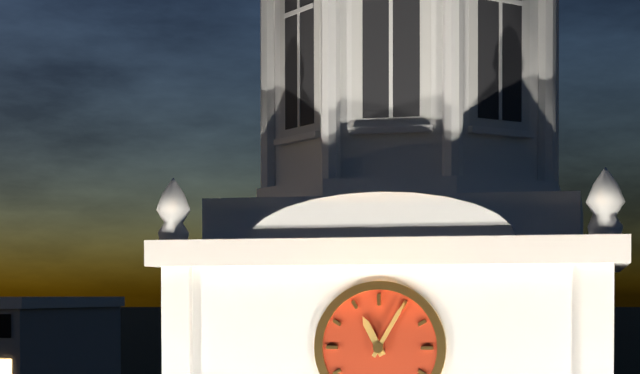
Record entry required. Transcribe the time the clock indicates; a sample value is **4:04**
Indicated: **11:05**
